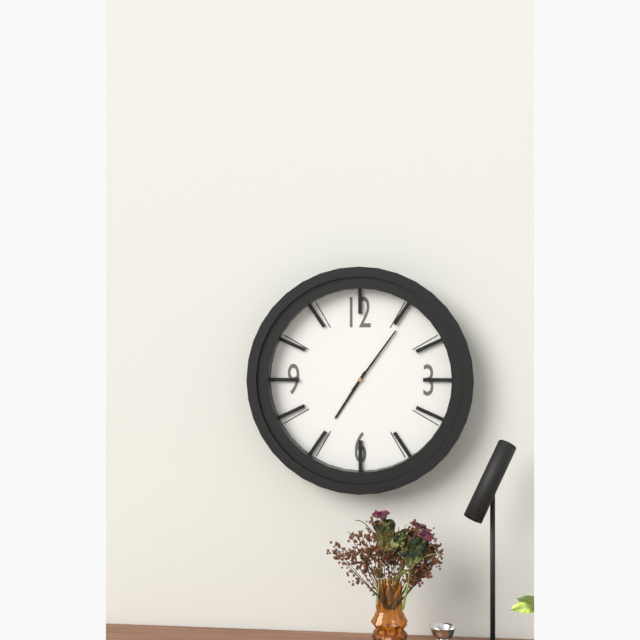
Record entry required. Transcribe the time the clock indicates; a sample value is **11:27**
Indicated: **7:06**
